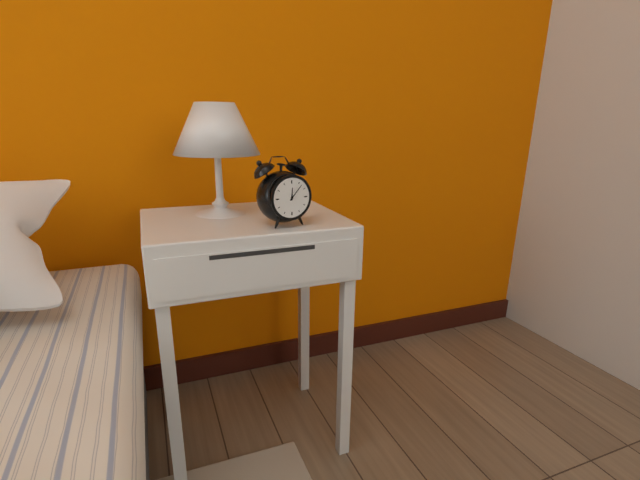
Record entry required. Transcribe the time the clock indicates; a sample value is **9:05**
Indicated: **12:07**
